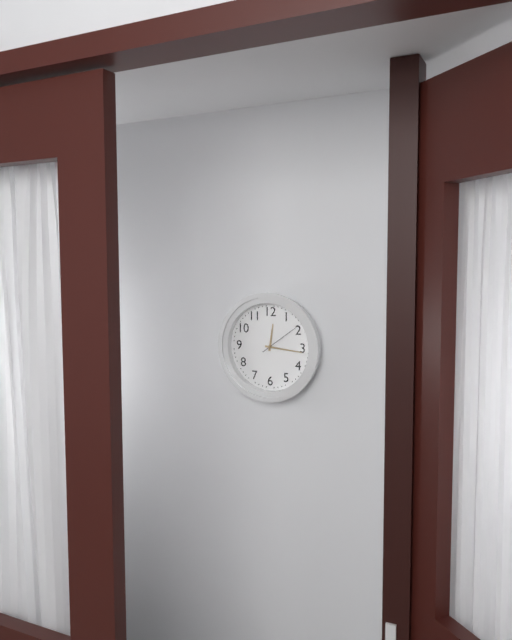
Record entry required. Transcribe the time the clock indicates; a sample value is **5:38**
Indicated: **12:16**
